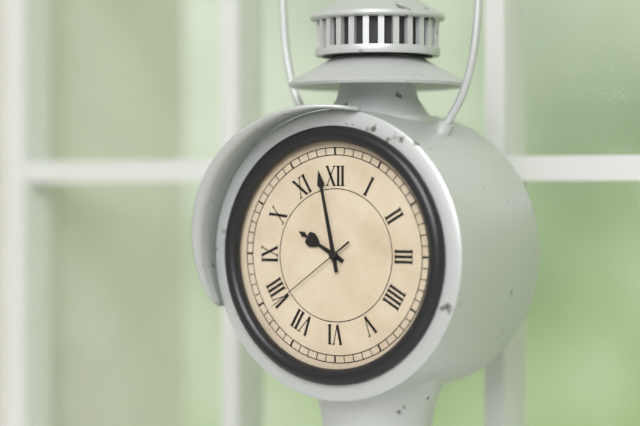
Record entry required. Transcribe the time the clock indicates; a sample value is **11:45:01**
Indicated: **9:58:39**
